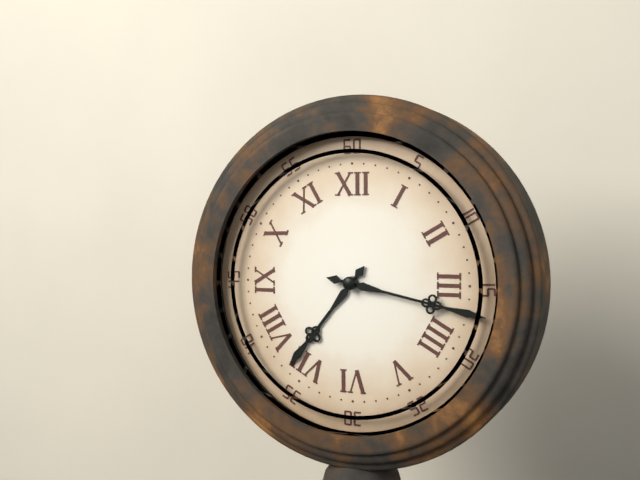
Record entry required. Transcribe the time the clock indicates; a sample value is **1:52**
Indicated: **7:17**
